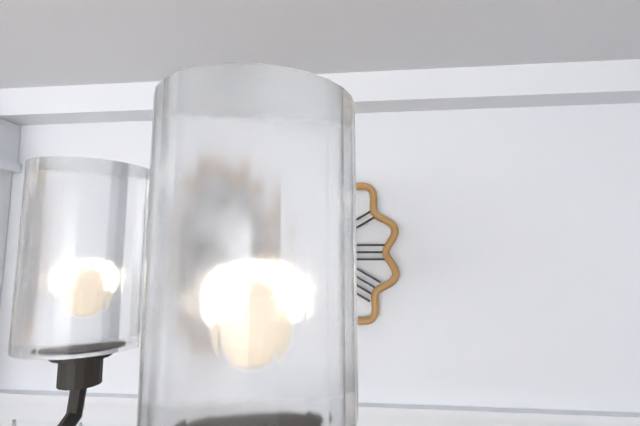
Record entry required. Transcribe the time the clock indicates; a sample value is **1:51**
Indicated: **2:23**
